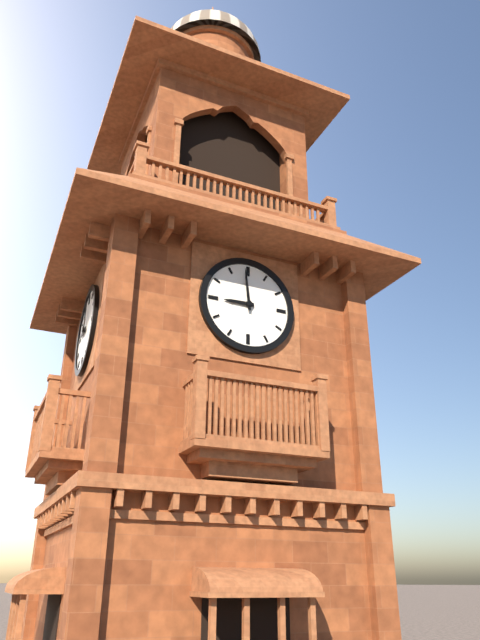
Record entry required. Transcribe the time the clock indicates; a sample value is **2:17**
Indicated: **8:59**
